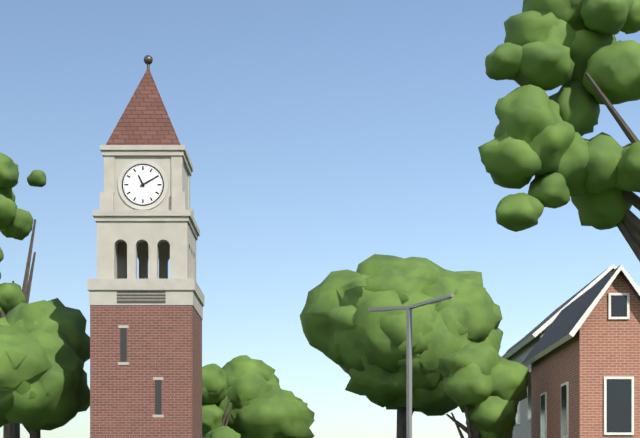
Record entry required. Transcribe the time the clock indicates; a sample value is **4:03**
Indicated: **11:10**
